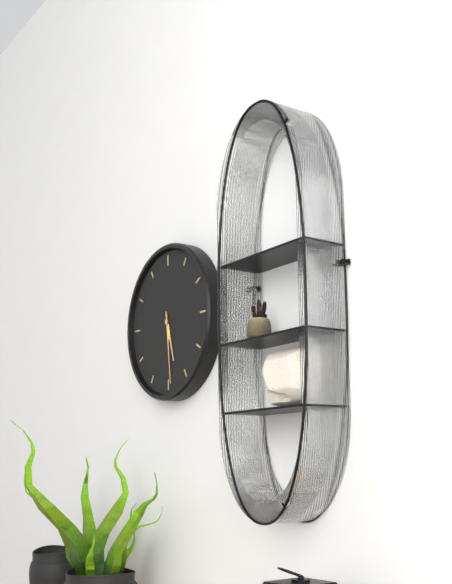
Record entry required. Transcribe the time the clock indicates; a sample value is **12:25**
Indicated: **5:29**
